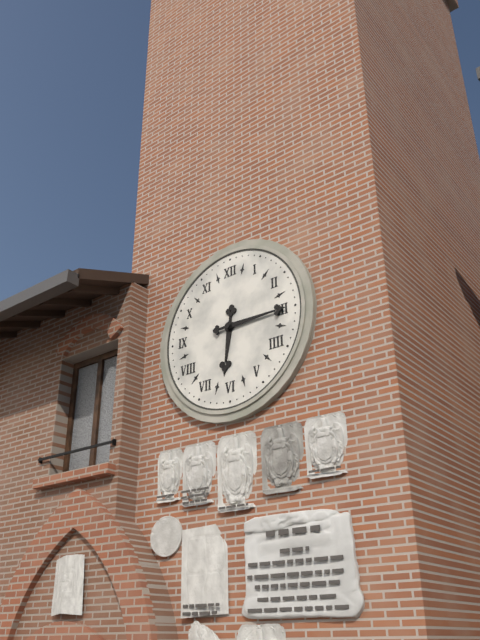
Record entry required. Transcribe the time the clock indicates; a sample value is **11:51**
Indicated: **6:15**
